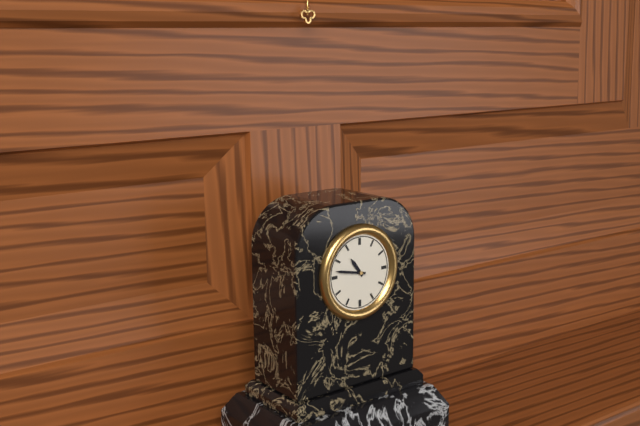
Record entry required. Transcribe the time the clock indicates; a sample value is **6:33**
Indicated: **10:47**
